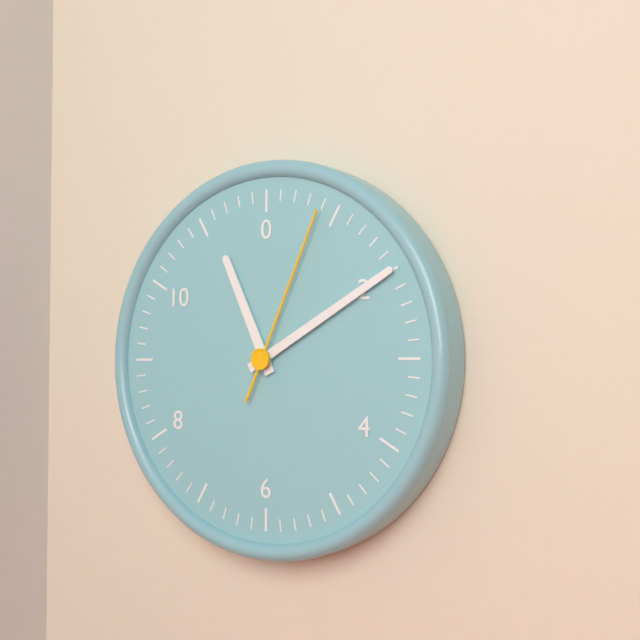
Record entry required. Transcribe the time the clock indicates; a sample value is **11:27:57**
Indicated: **11:10:04**
